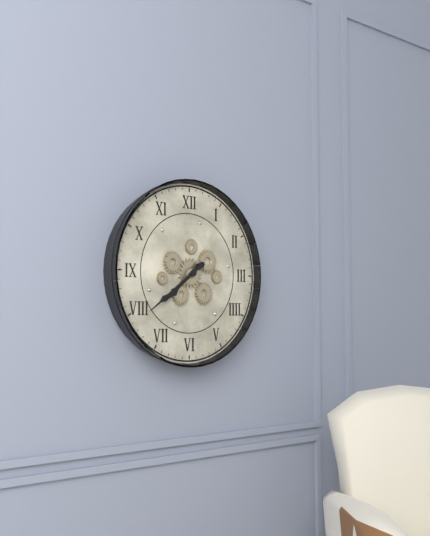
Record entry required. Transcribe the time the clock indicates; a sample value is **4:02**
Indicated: **7:39**
